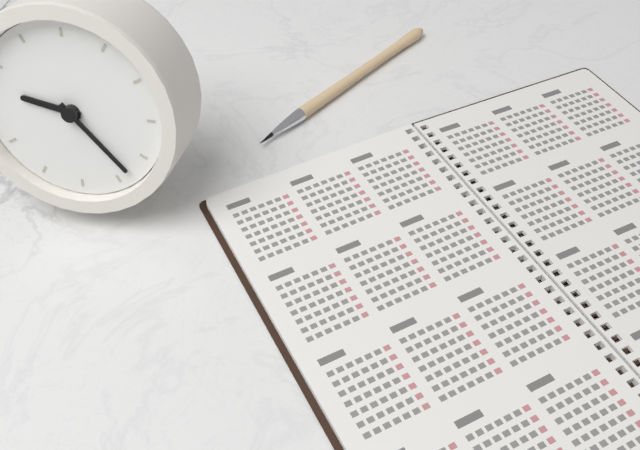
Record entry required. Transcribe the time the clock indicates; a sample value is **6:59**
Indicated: **9:23**
